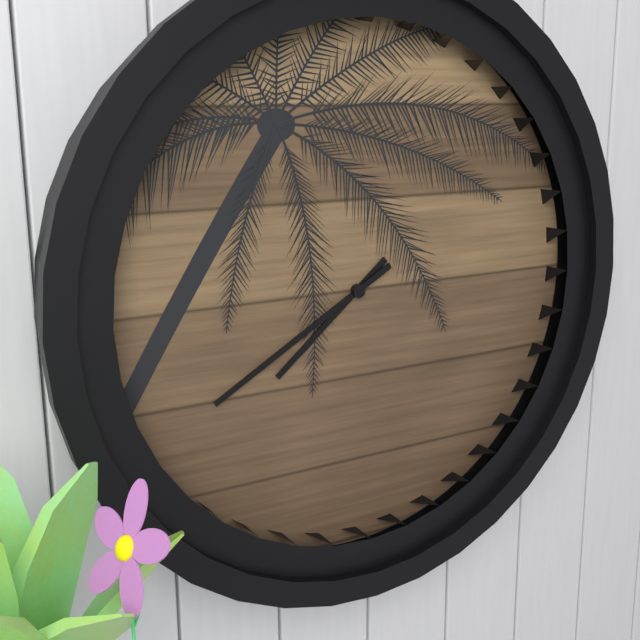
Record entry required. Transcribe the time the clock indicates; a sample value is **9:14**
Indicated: **7:40**
